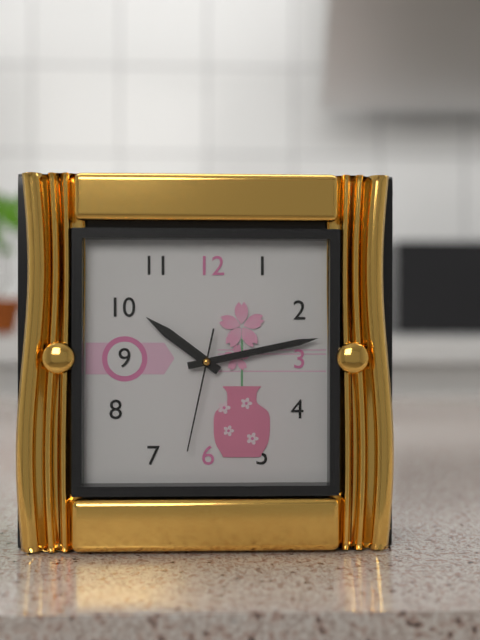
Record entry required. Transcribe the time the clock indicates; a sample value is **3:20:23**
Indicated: **10:13:32**
